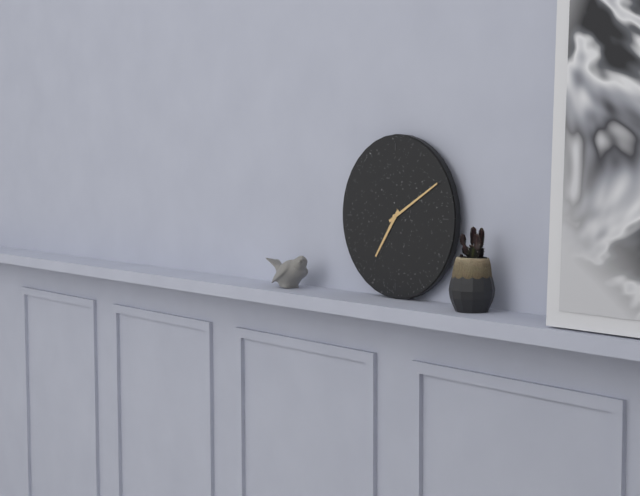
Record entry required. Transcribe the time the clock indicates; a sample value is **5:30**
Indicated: **7:10**
